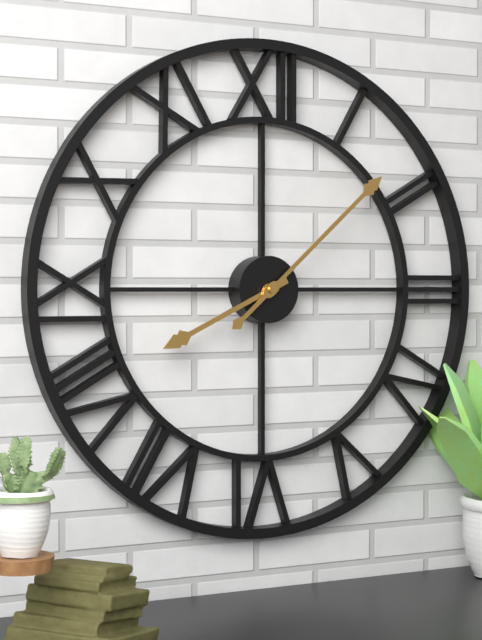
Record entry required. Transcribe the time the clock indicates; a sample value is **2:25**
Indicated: **8:08**
